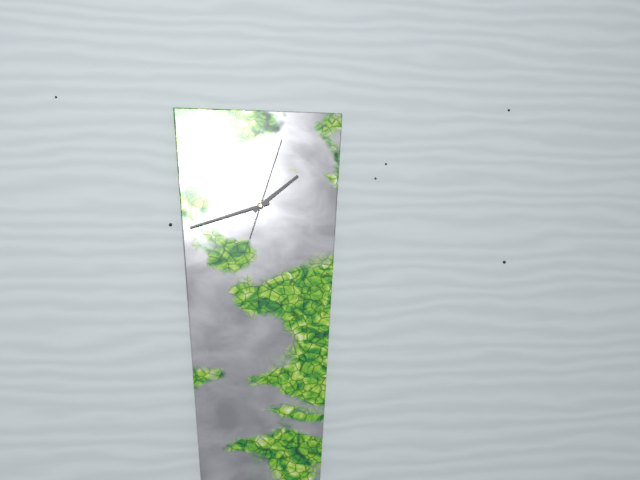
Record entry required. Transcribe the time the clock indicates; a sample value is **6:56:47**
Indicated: **1:42:03**
